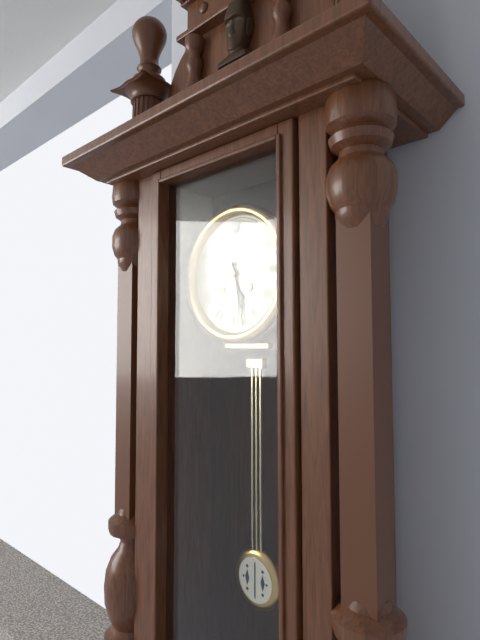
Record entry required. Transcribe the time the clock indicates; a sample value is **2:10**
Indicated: **5:28**
